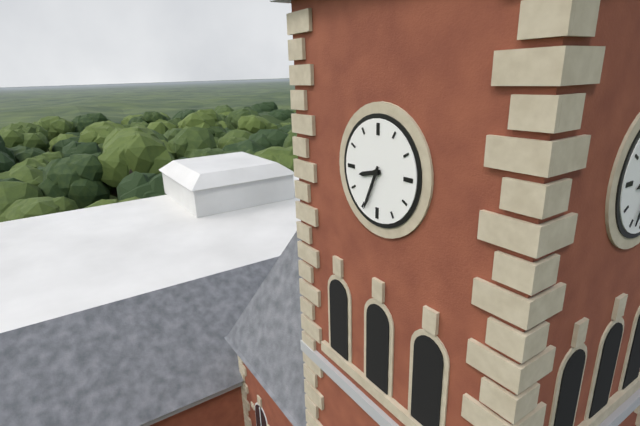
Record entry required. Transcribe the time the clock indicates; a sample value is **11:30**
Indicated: **8:34**
